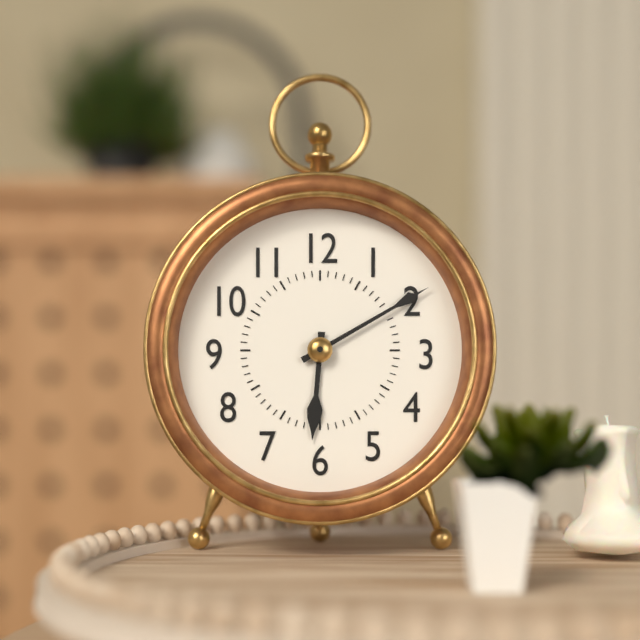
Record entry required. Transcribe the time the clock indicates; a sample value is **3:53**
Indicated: **6:10**
